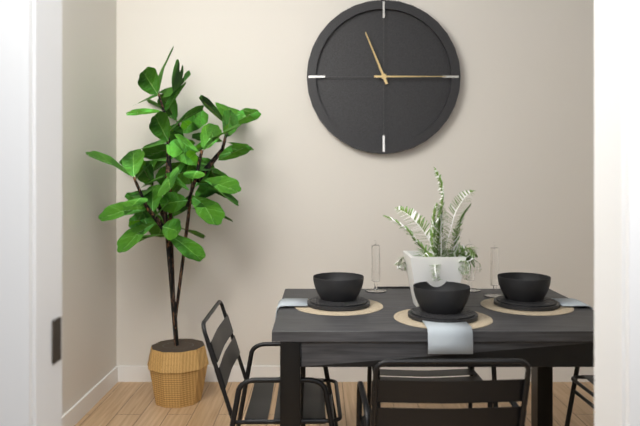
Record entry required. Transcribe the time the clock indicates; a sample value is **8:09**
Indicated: **11:15**
